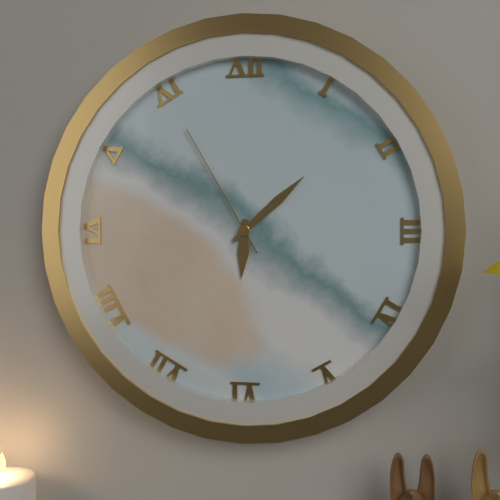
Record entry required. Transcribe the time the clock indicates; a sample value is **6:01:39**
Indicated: **6:08:55**
